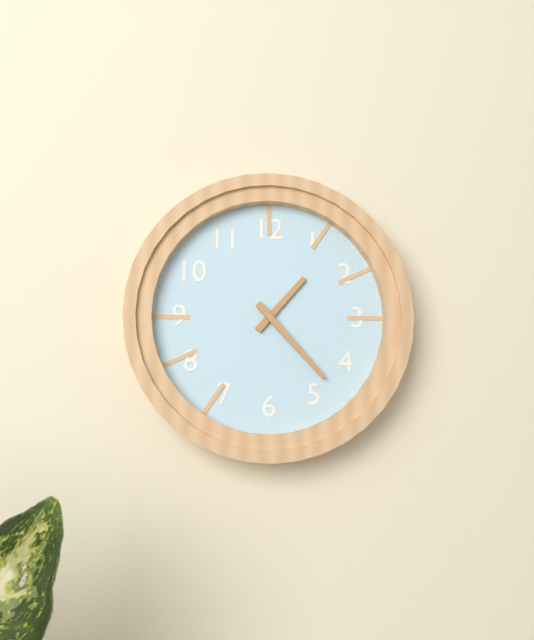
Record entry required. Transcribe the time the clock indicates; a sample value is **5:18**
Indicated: **1:23**
